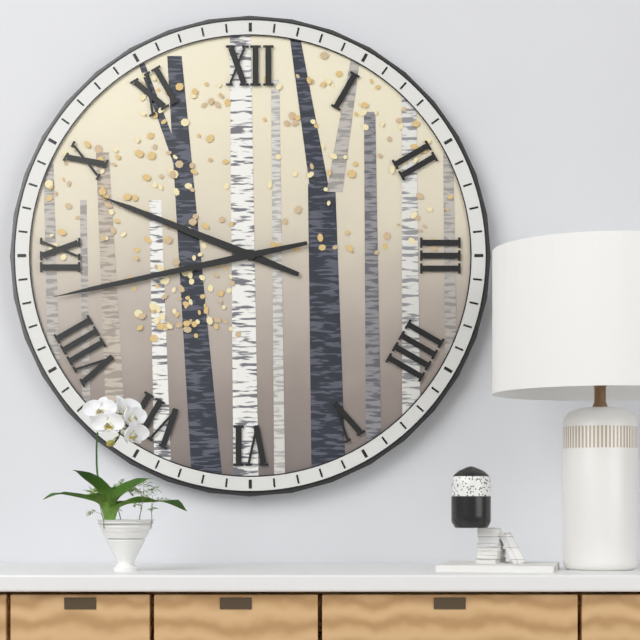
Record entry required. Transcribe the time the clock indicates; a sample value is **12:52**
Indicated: **9:43**
